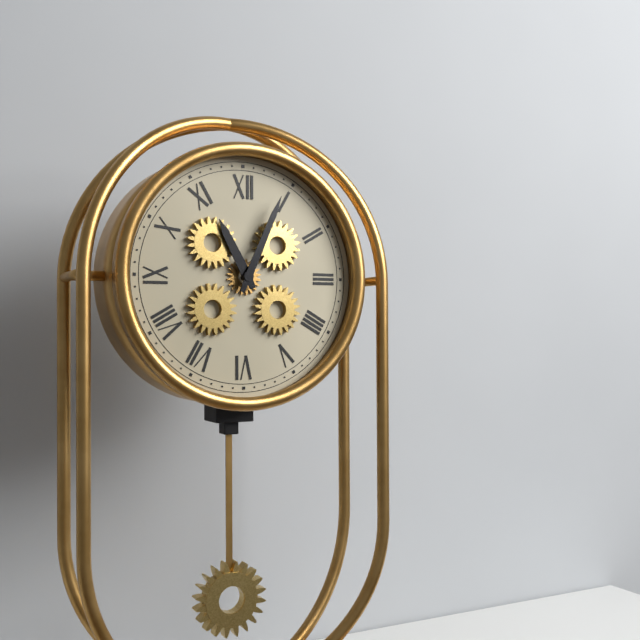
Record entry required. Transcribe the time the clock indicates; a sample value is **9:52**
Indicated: **11:04**
